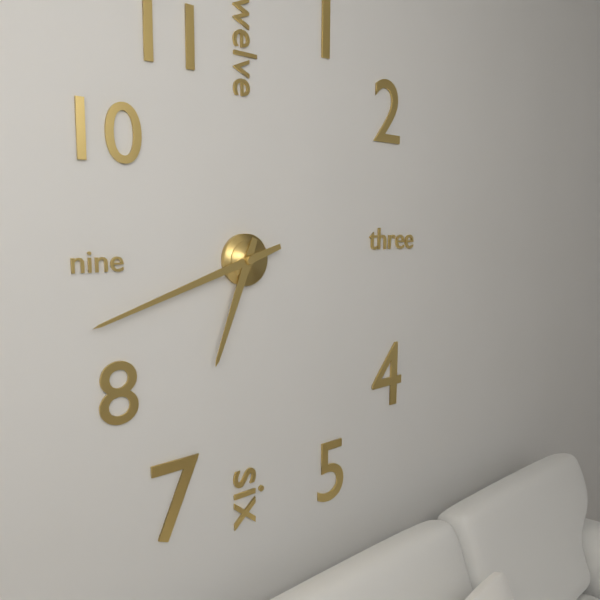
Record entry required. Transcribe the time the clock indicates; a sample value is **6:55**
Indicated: **6:42**
